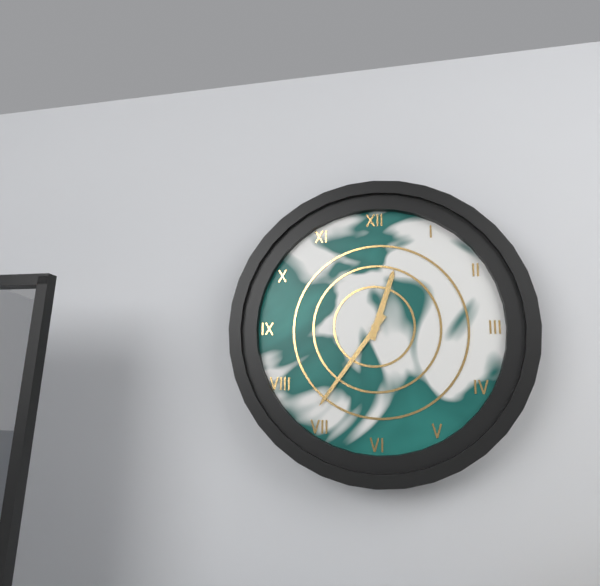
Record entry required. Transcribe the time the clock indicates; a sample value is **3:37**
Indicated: **12:36**
